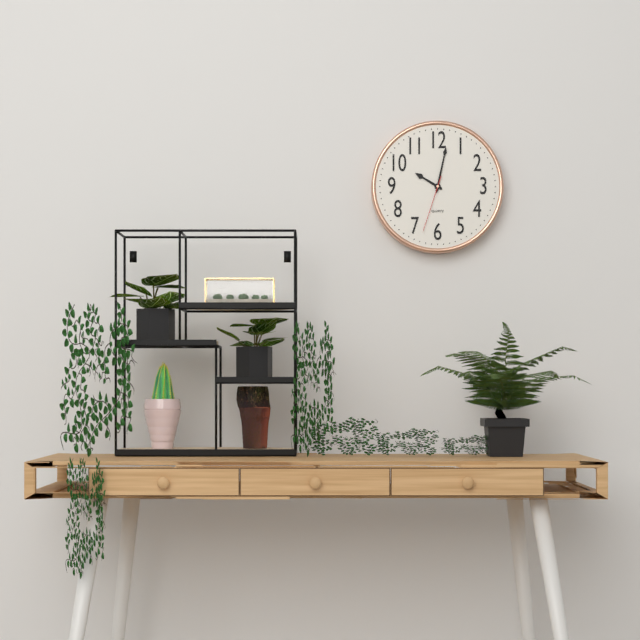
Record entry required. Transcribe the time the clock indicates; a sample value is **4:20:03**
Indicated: **10:02:33**
